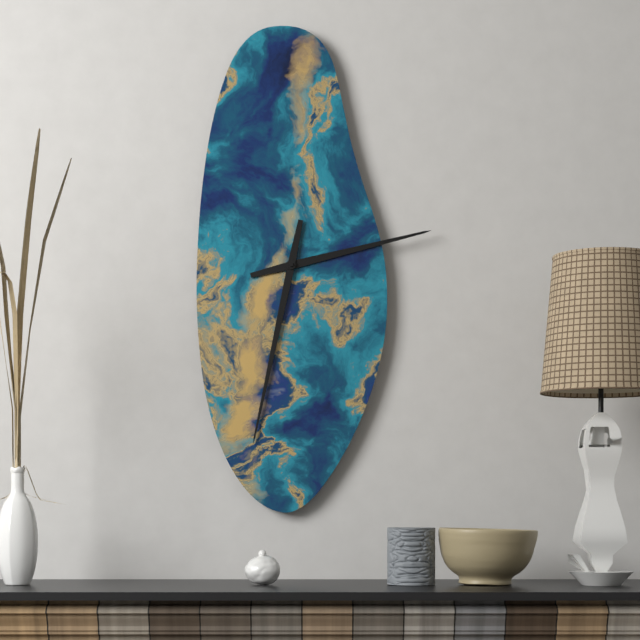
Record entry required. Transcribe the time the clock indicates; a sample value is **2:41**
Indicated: **2:32**
